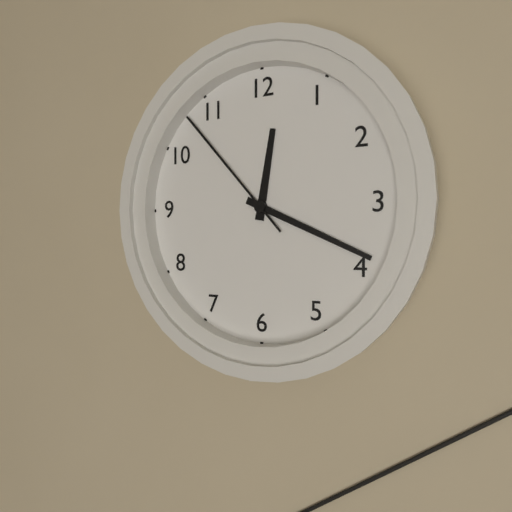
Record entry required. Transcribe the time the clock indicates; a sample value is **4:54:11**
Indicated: **12:19:53**
